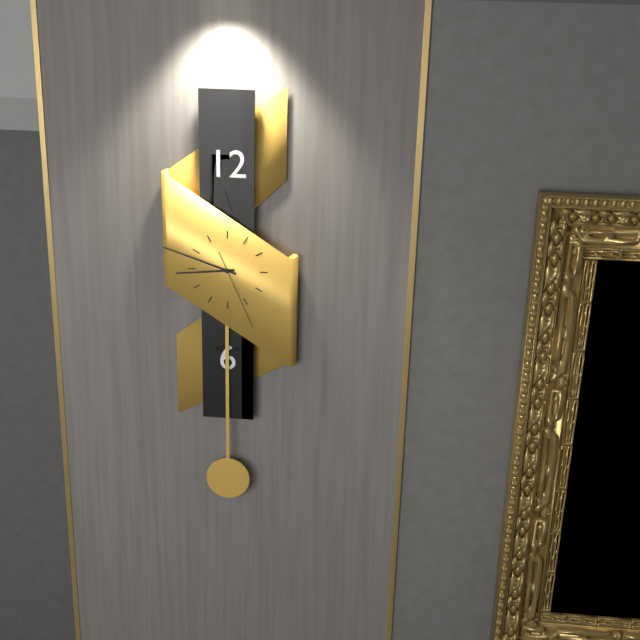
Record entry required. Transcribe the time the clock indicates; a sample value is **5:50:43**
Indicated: **8:48:26**
